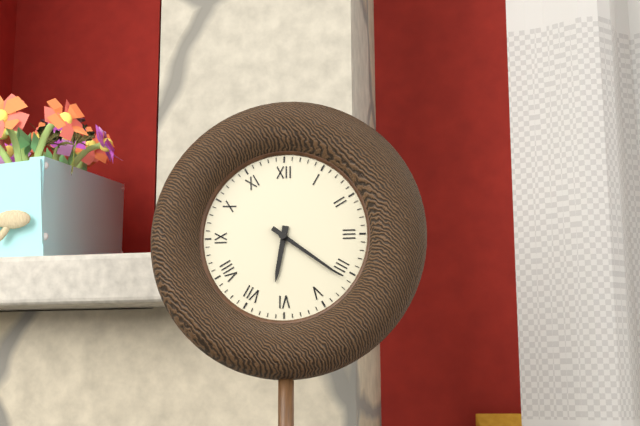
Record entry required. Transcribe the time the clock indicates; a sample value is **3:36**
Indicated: **6:21**
